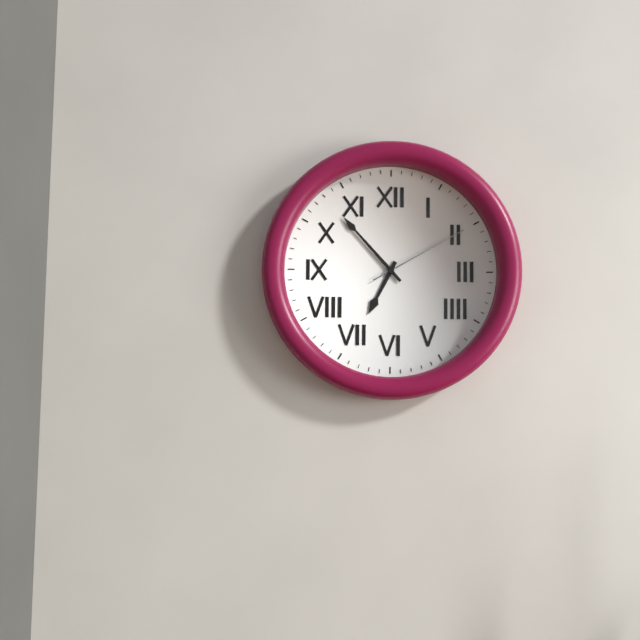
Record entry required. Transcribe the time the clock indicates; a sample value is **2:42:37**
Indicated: **6:53:10**
